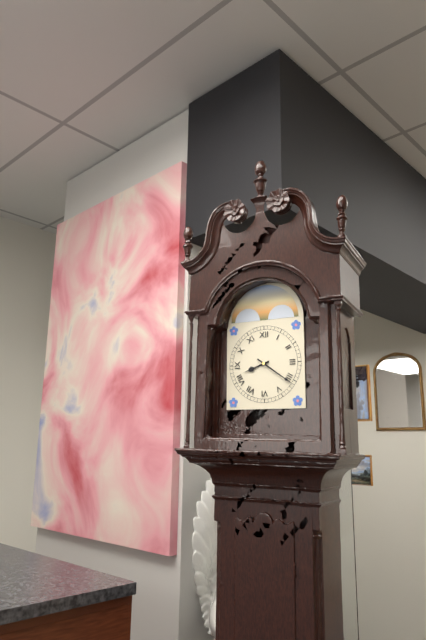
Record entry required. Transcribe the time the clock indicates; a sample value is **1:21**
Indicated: **8:21**
